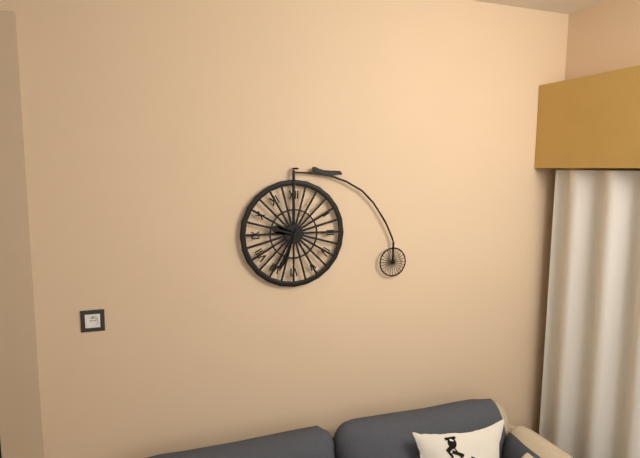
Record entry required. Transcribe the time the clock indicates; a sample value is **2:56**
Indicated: **9:34**
